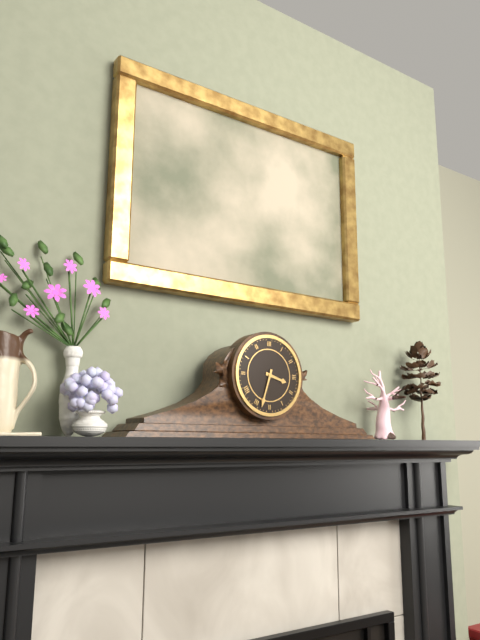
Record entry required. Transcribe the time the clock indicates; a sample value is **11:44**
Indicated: **3:33**
